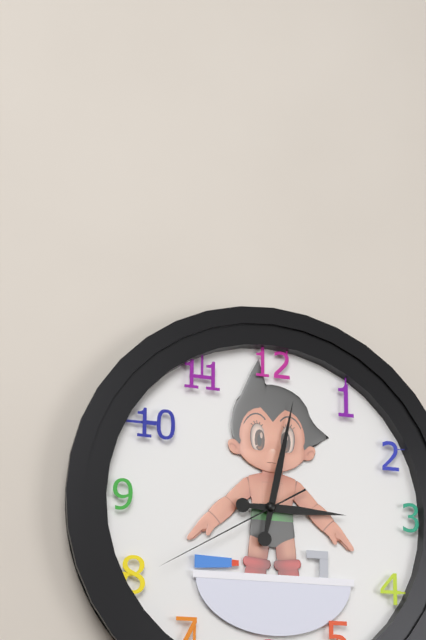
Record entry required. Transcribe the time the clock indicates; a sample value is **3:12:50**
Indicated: **3:02:40**
